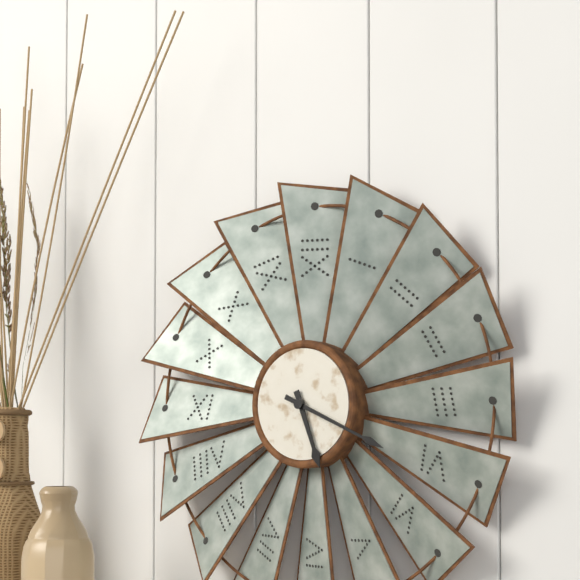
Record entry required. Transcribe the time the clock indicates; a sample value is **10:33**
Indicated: **5:19**
